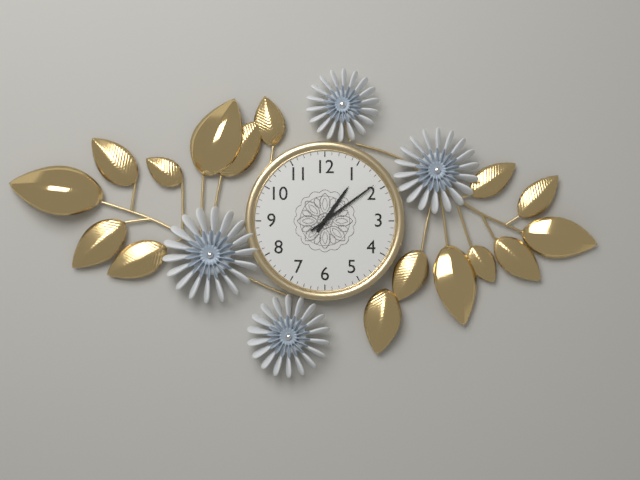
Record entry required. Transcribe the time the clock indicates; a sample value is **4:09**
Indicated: **1:09**
